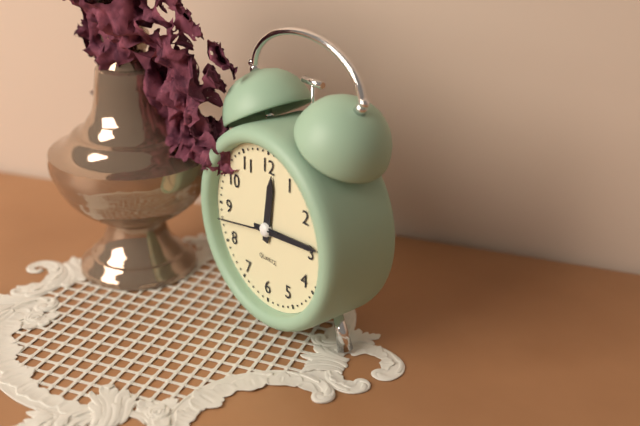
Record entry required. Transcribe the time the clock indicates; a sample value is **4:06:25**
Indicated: **12:14:43**
